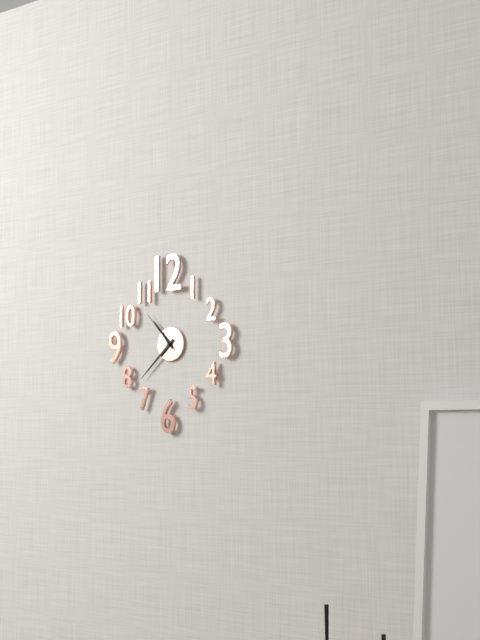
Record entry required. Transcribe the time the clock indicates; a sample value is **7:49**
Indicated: **10:38**
